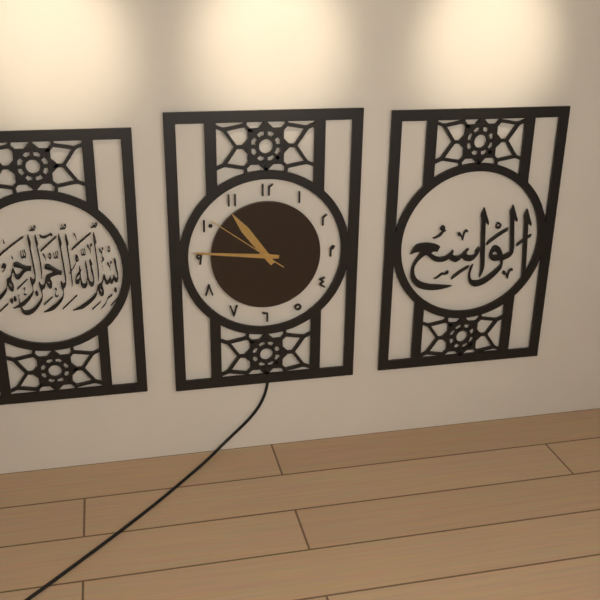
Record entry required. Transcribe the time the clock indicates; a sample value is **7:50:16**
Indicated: **10:46:51**
